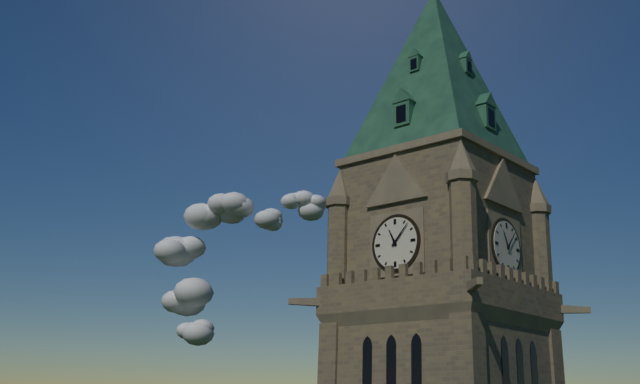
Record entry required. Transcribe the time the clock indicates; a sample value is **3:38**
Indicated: **11:07**
